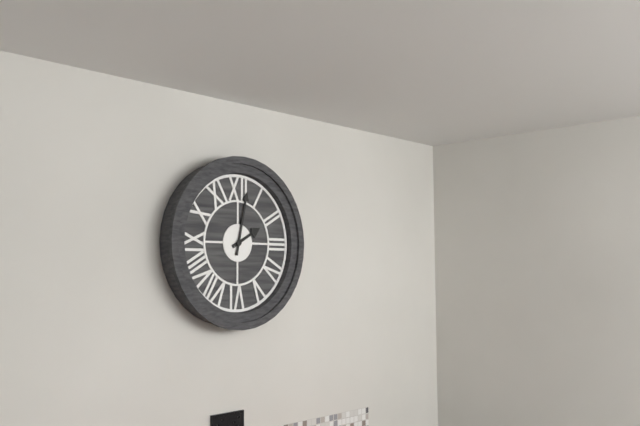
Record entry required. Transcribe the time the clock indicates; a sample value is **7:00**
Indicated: **2:02**
